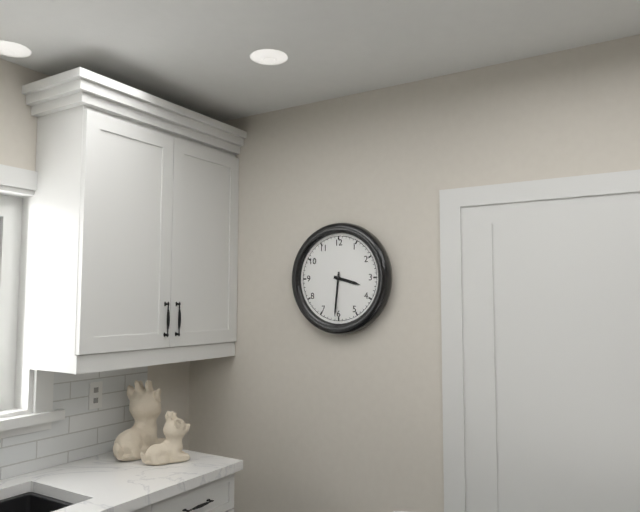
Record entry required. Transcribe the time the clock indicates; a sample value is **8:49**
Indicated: **3:31**
